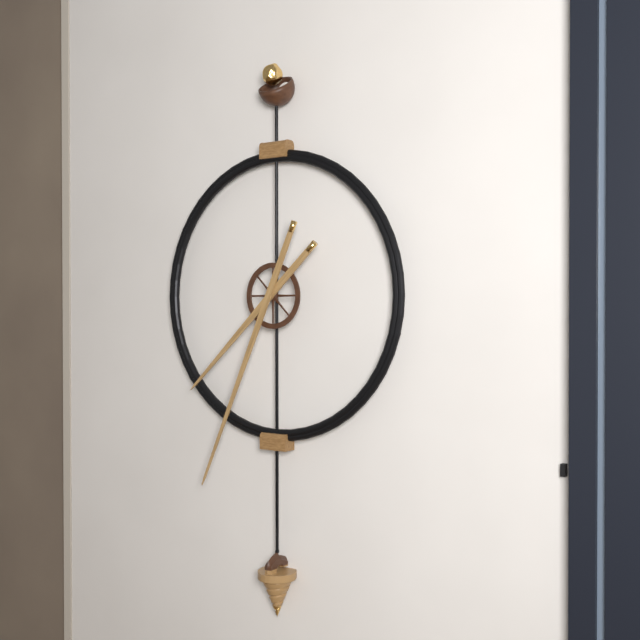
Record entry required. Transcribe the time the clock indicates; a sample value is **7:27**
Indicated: **7:34**
